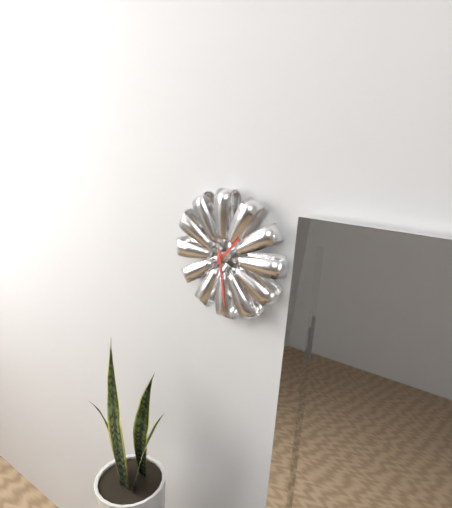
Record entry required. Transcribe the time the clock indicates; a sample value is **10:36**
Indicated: **1:29**
